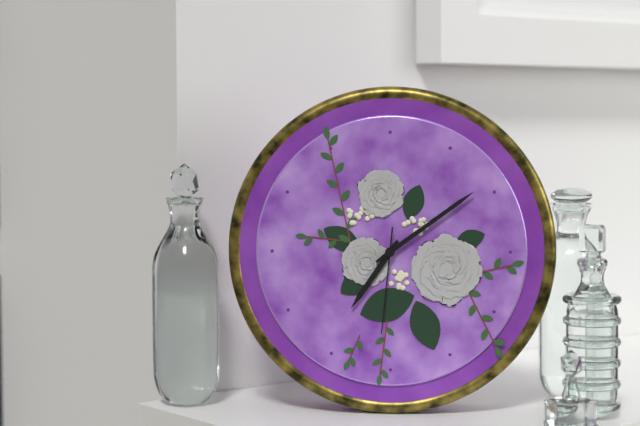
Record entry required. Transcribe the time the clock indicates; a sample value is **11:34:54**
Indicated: **7:09:31**
